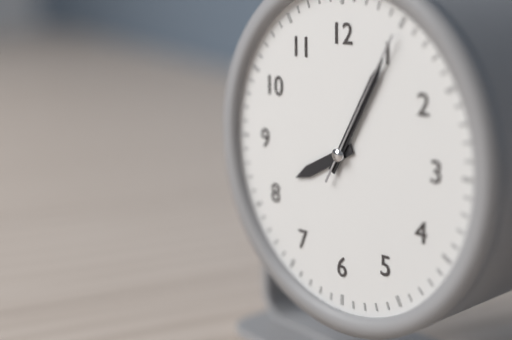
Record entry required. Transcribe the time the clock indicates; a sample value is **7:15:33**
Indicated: **8:05:05**
